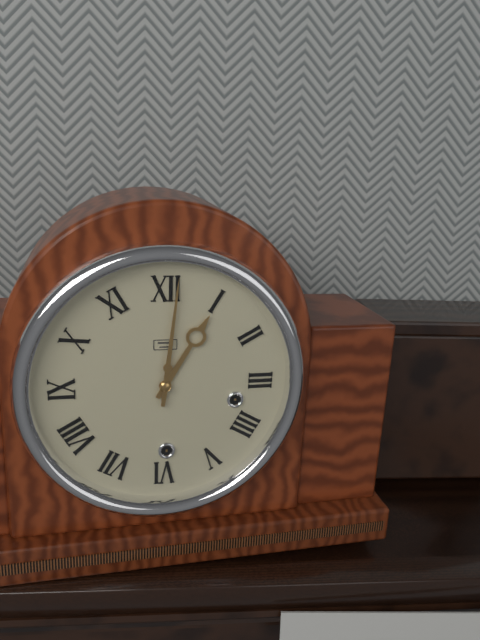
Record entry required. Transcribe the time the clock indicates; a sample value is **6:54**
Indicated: **1:01**
